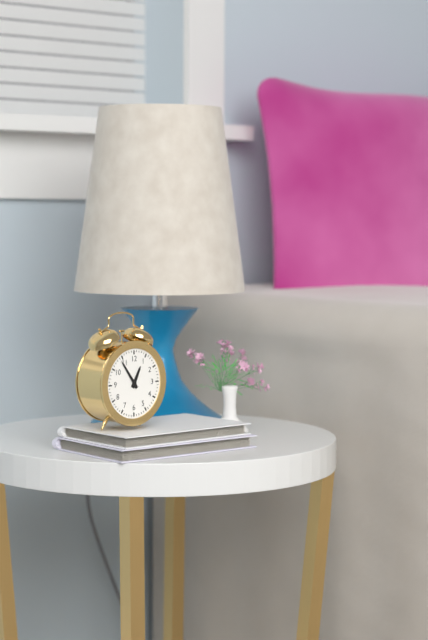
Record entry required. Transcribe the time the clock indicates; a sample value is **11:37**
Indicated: **12:54**
